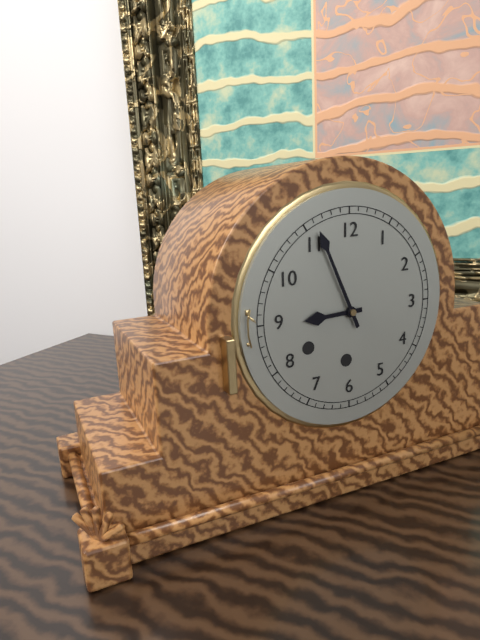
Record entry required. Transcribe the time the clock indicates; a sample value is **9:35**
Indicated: **8:56**
